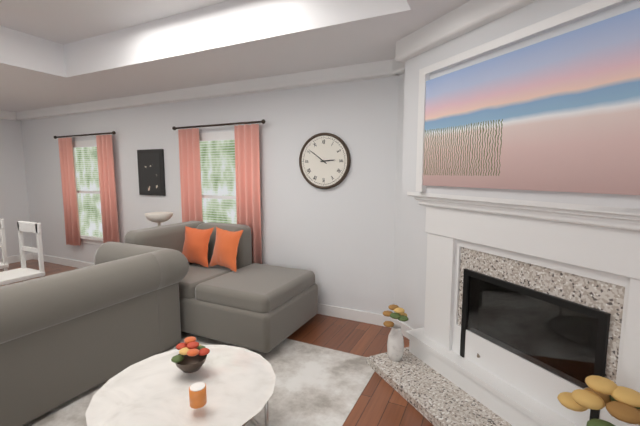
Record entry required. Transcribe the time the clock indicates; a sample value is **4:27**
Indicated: **2:51**
